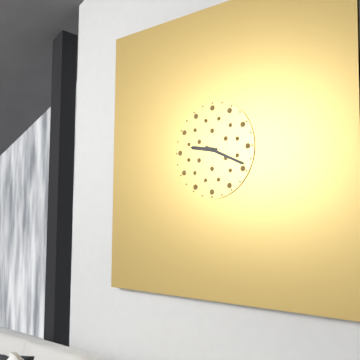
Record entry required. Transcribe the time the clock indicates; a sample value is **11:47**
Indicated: **9:19**
